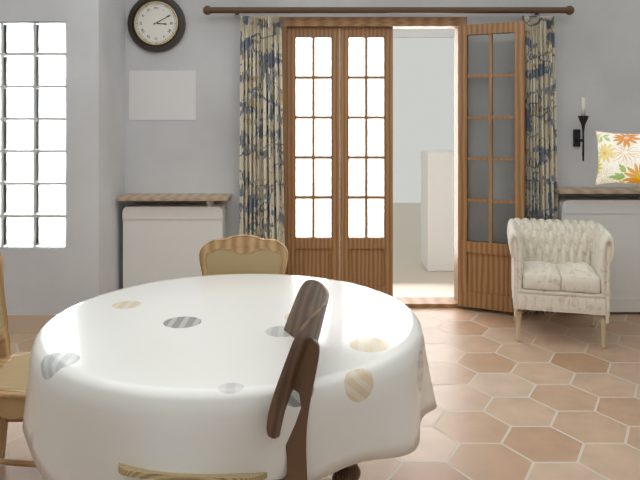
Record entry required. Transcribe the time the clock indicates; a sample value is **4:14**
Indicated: **3:10**
